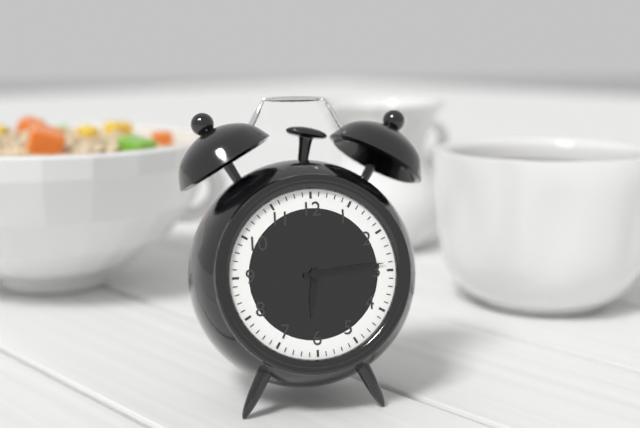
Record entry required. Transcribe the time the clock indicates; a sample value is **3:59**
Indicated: **6:14**
